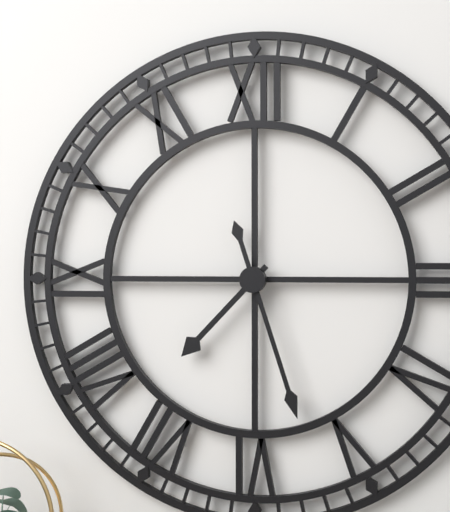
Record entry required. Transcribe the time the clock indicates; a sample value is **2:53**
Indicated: **7:27**
